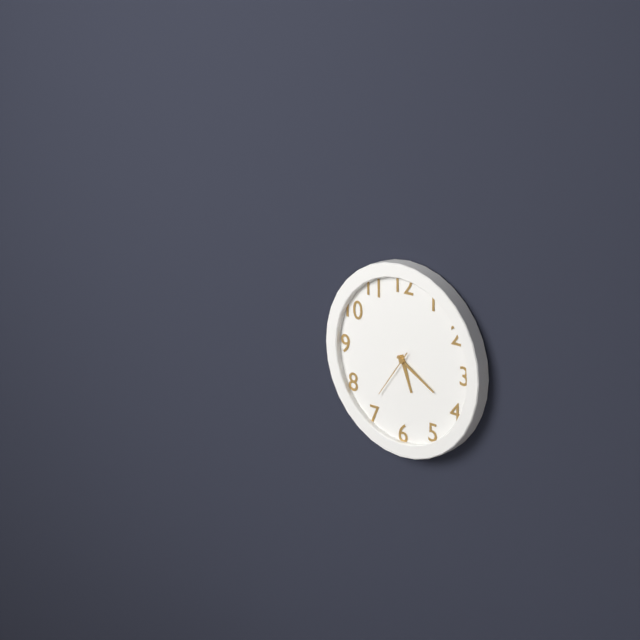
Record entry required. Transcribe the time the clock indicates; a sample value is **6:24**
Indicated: **5:20**
